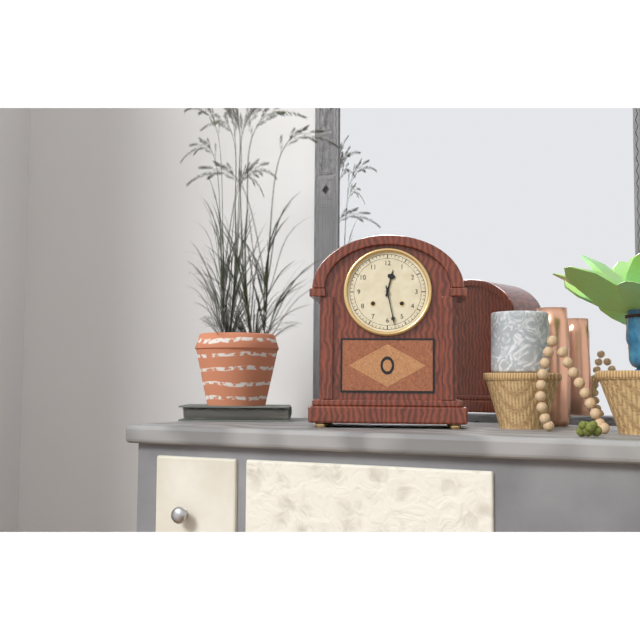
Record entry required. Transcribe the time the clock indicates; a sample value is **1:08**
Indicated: **12:28**
